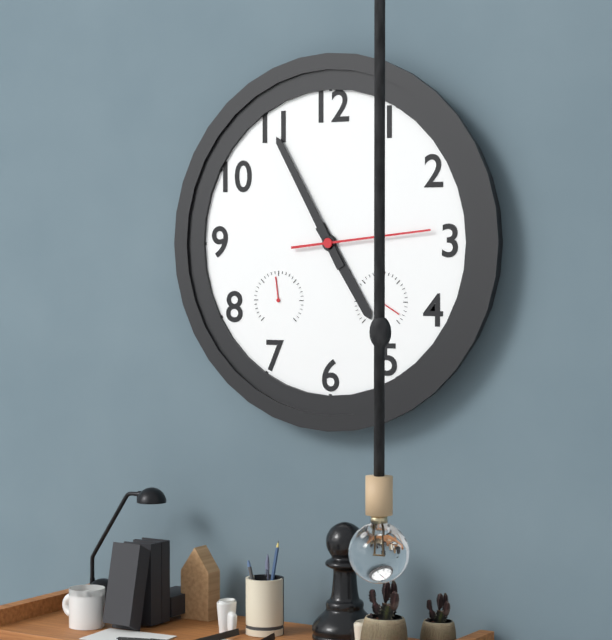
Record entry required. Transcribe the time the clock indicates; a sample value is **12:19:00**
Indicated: **4:55:14**
